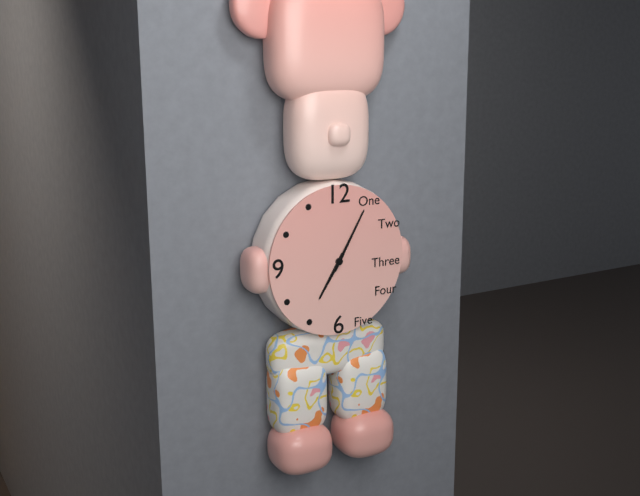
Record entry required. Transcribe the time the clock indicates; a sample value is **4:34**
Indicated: **7:05**
